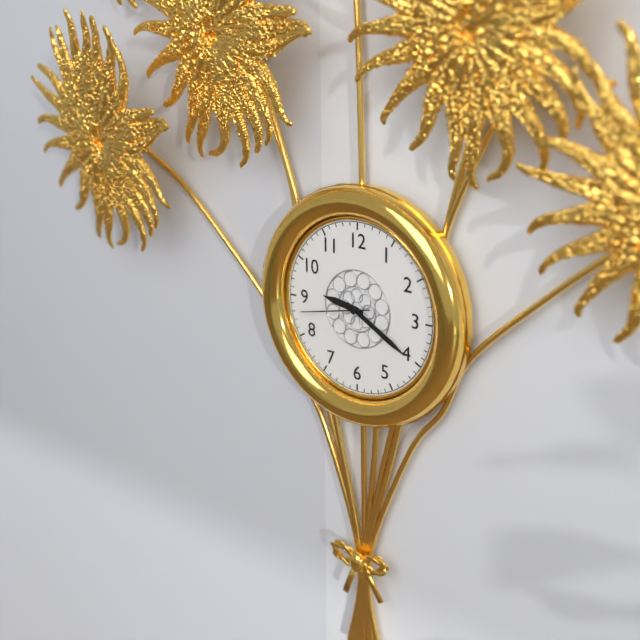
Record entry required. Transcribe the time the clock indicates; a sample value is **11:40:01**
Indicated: **9:20:43**
